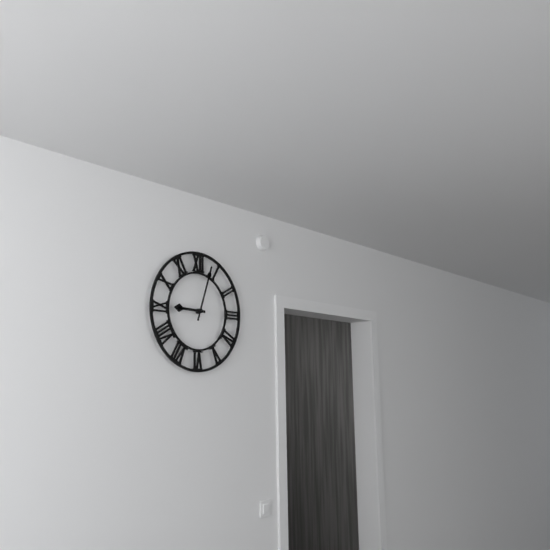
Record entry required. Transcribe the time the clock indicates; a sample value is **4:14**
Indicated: **9:03**
